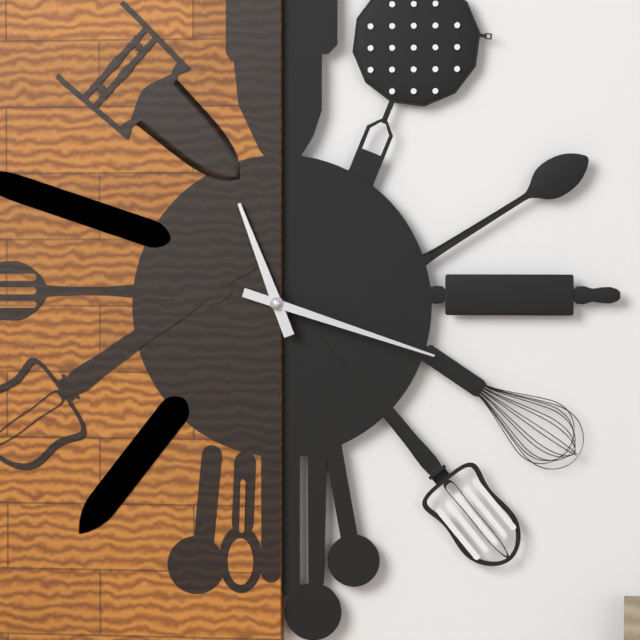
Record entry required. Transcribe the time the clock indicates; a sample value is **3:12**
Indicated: **11:18**
